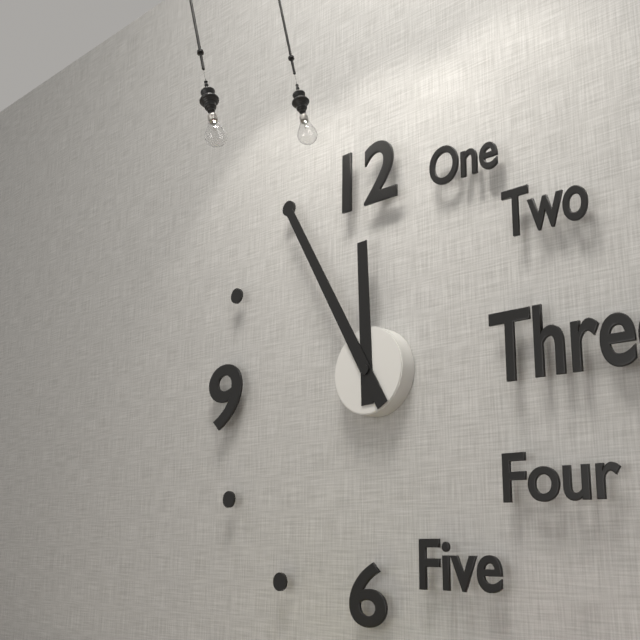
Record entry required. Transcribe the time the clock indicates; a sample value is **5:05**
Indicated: **11:55**
